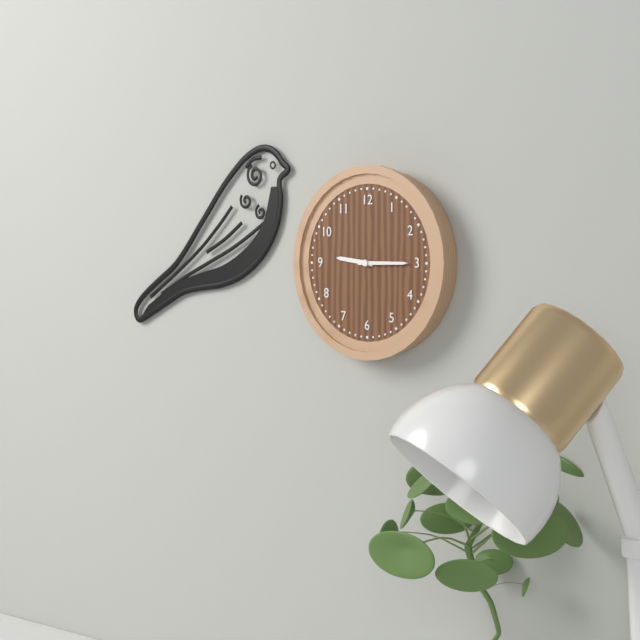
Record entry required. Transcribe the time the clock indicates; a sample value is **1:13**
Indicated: **9:15**
